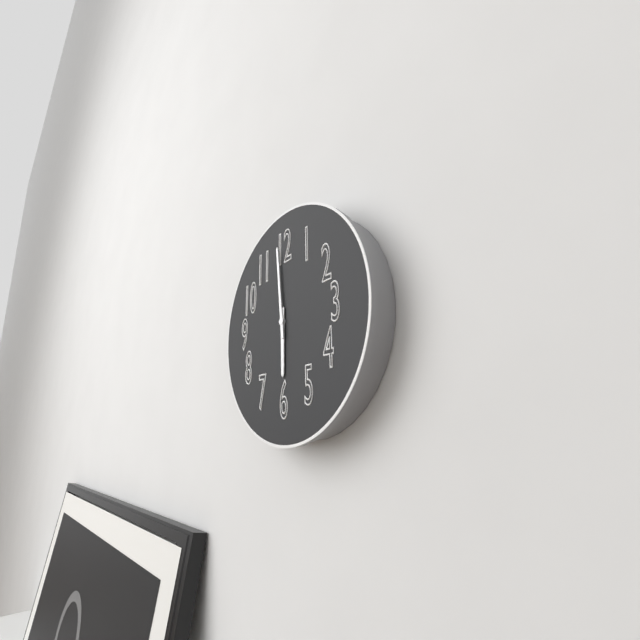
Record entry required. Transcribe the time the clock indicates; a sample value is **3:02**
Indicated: **5:59**
